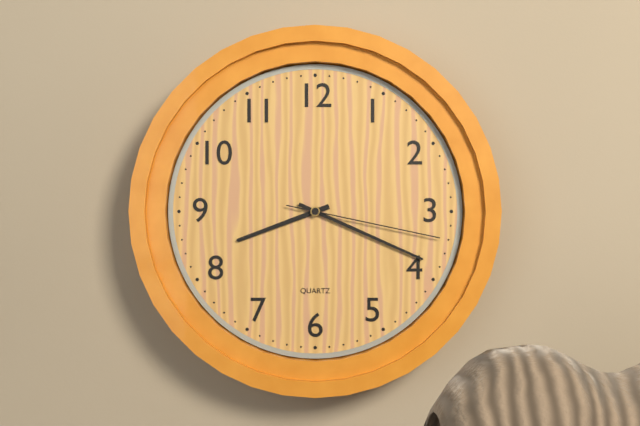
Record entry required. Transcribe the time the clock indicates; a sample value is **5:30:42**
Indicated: **8:19:17**
